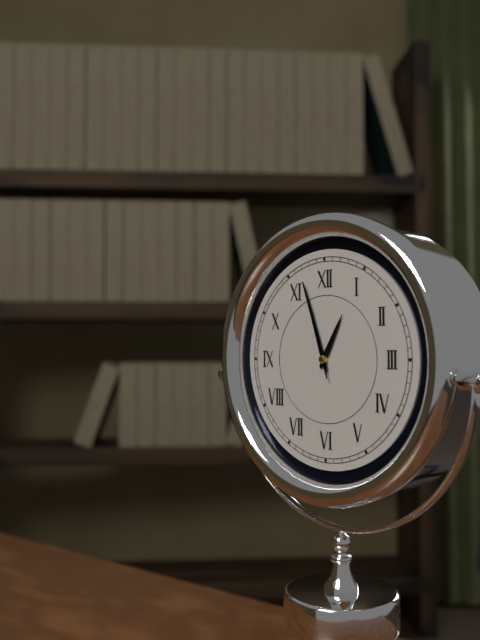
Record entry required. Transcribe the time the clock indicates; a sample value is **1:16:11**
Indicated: **12:57:57**
